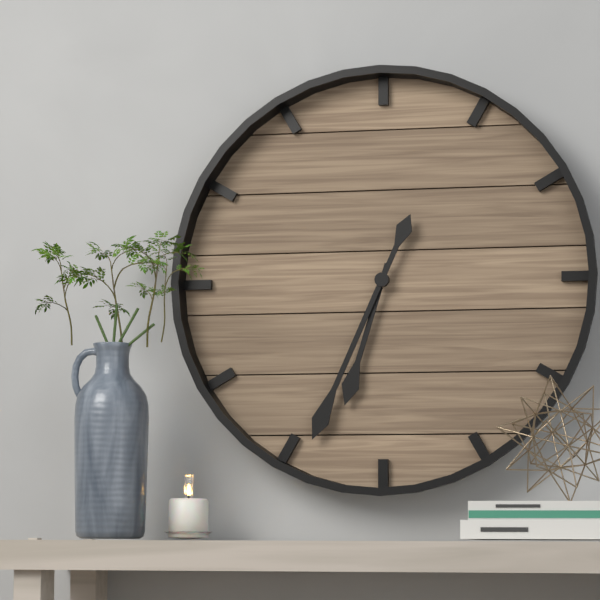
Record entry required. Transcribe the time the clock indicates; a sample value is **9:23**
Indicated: **6:34**
